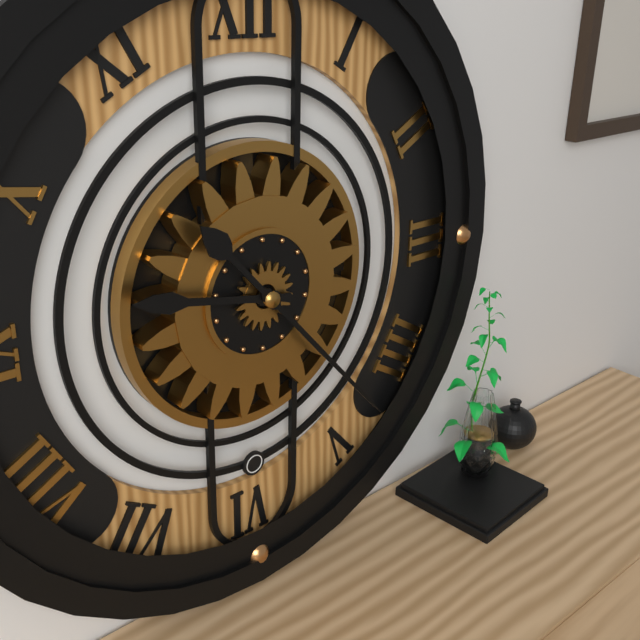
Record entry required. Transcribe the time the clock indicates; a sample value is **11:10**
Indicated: **9:23**
